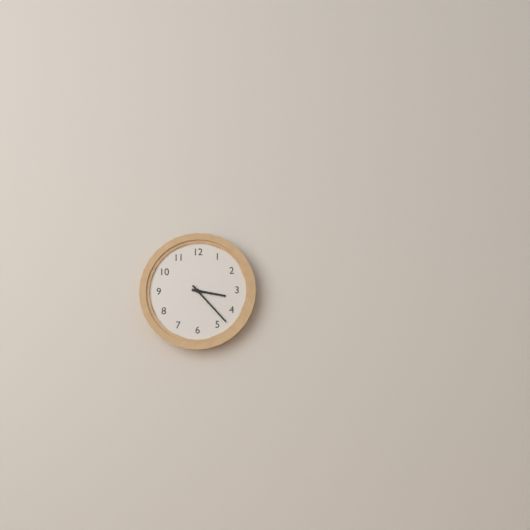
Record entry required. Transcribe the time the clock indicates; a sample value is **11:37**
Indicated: **3:23**
